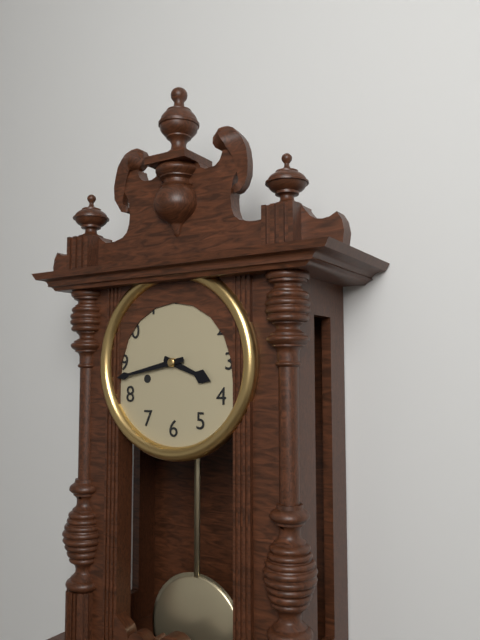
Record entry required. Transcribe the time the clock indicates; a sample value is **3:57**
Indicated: **3:43**
